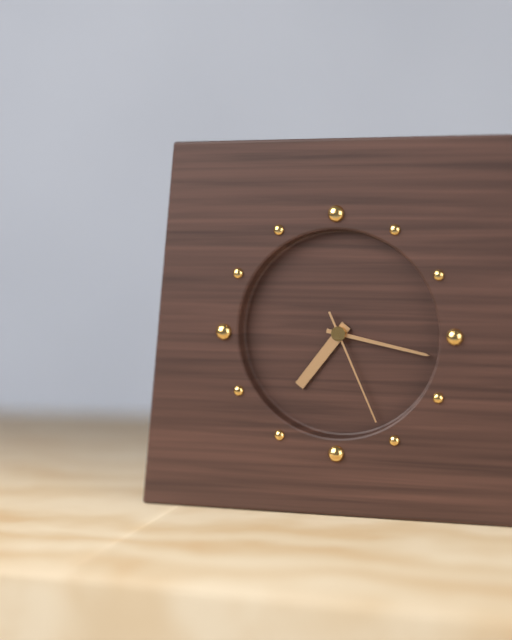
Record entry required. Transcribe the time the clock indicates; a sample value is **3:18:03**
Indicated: **7:17:26**
